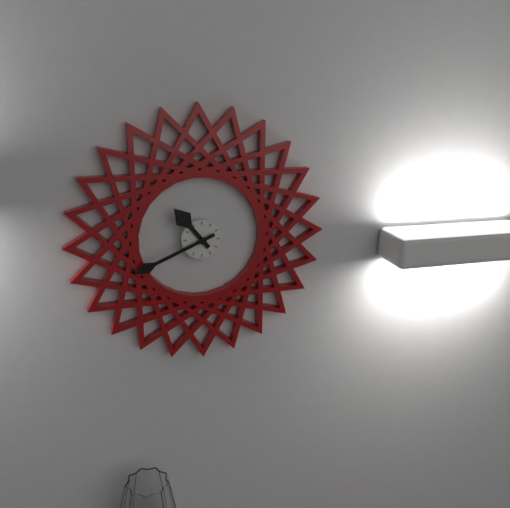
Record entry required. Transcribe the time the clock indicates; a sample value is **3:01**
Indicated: **10:41**
